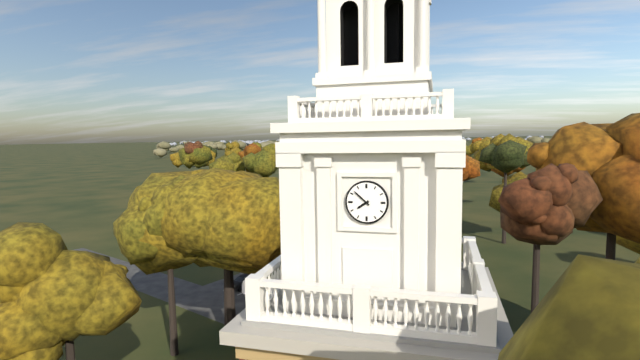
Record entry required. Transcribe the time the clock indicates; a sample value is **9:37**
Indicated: **7:52**
